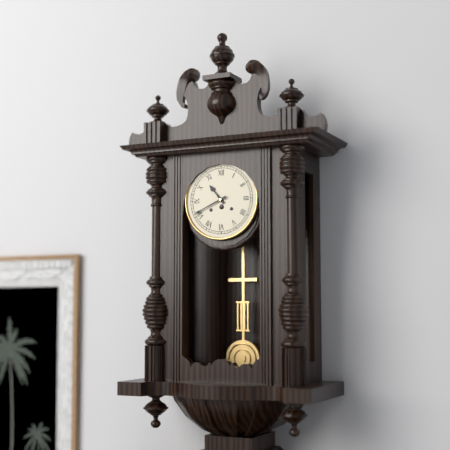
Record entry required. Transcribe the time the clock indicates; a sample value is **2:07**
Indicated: **10:41**
